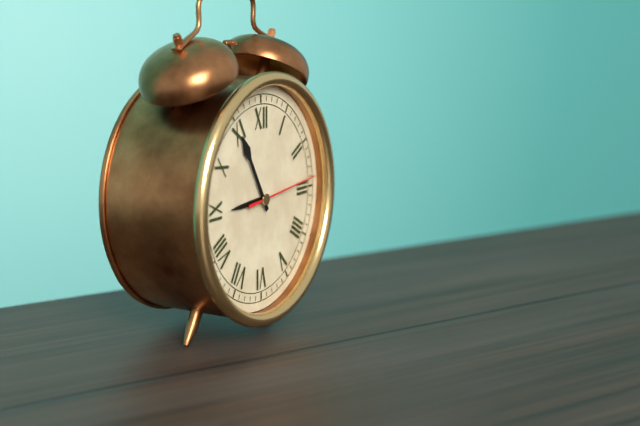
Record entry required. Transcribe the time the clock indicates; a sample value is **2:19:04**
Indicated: **8:55:14**
